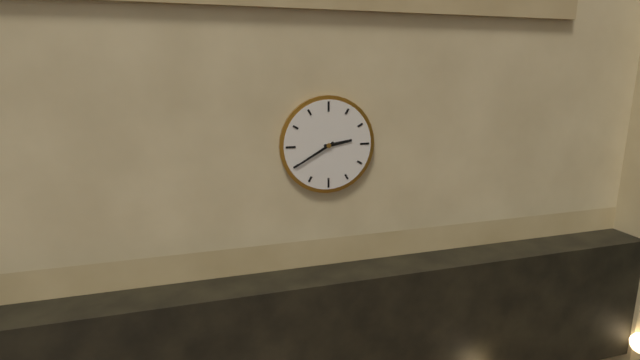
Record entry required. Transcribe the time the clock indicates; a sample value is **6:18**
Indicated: **2:40**
